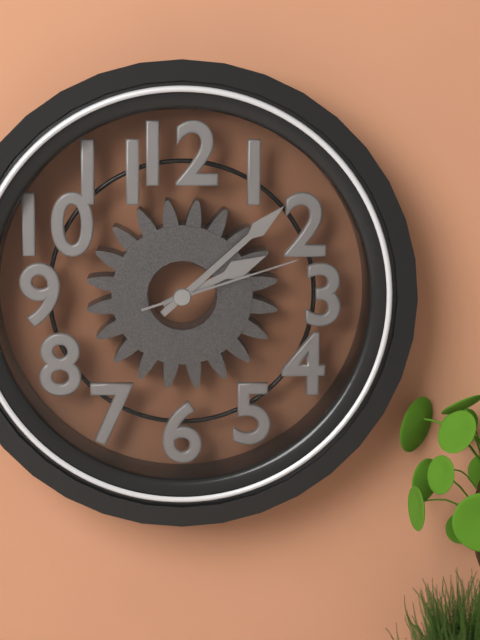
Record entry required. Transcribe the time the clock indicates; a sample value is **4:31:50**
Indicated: **2:08:12**
